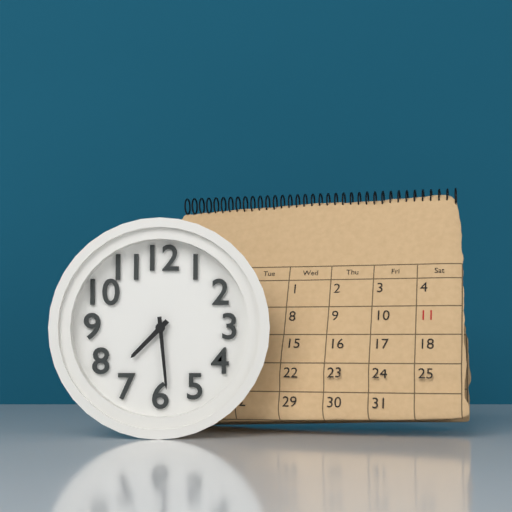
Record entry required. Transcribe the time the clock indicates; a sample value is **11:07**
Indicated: **7:29**
